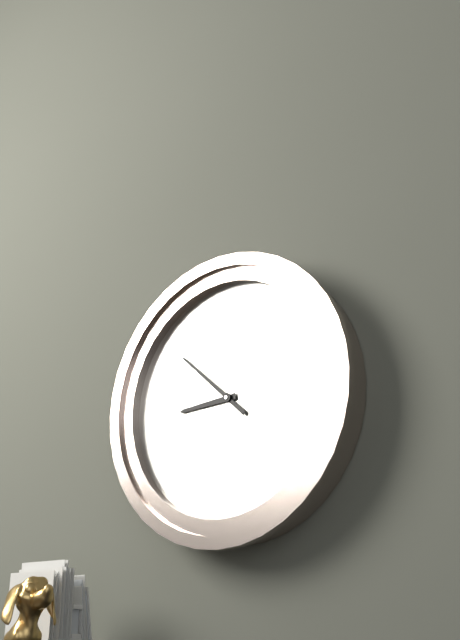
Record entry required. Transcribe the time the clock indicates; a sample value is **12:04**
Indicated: **8:52**
